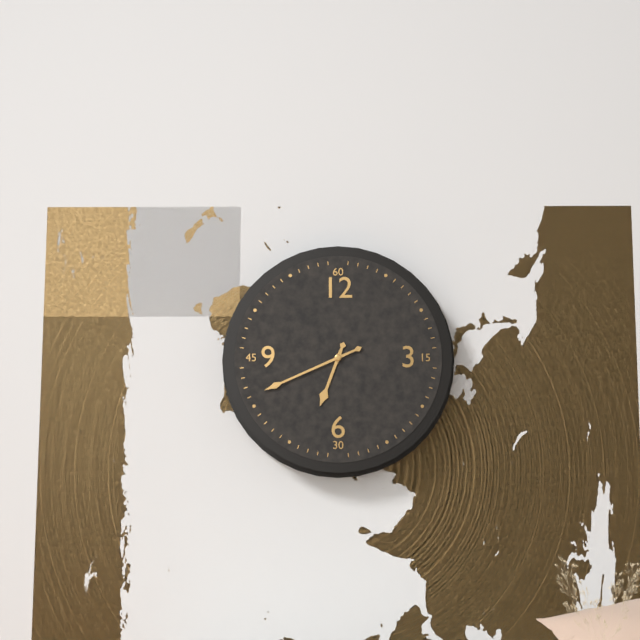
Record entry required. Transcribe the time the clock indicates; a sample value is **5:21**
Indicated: **6:41**
